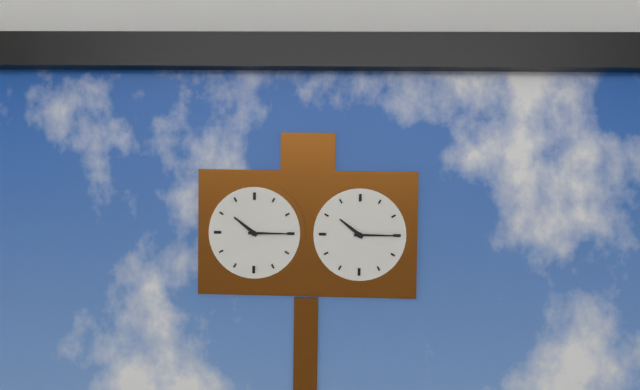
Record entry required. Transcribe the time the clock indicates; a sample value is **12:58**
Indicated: **10:15**
